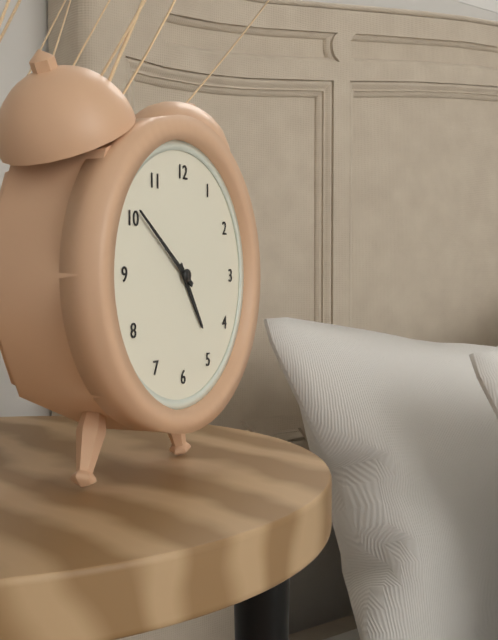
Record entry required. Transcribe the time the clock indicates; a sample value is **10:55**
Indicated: **4:51**
